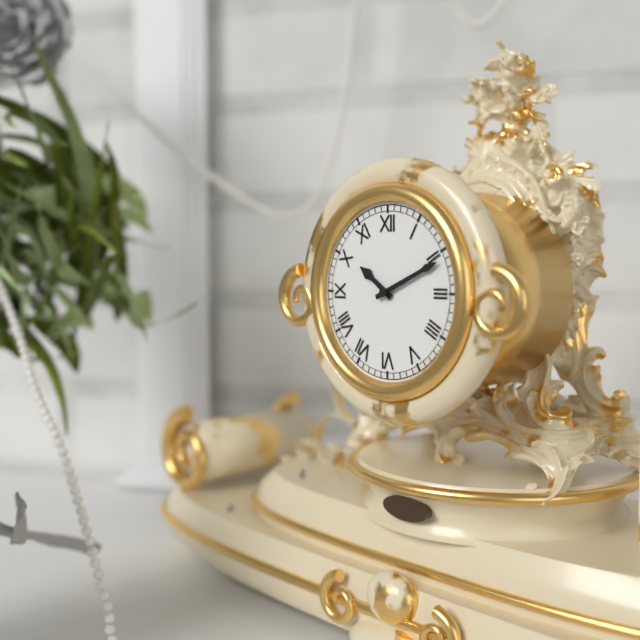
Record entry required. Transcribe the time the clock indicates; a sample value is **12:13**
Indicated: **10:11**
